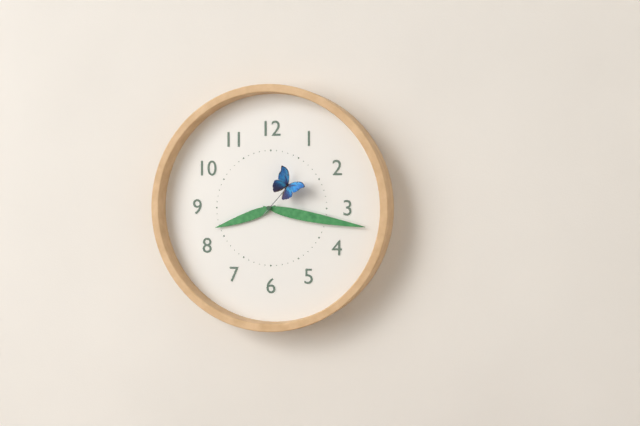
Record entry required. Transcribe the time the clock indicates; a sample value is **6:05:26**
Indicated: **8:17:07**
